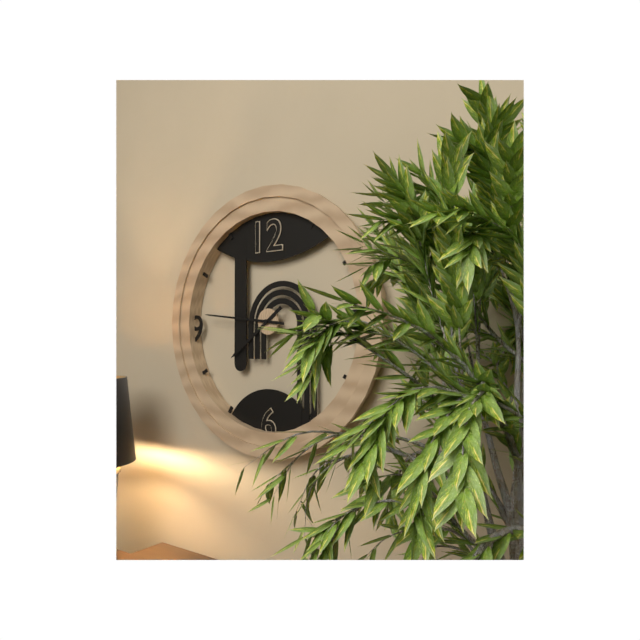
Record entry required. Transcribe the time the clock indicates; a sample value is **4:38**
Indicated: **7:46**
